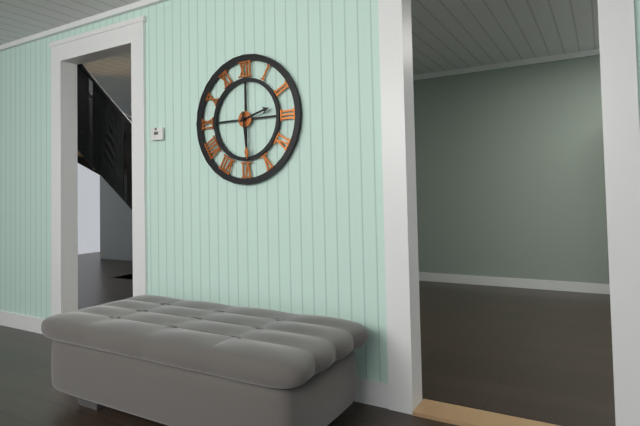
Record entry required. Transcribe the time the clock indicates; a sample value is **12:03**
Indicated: **2:29**
